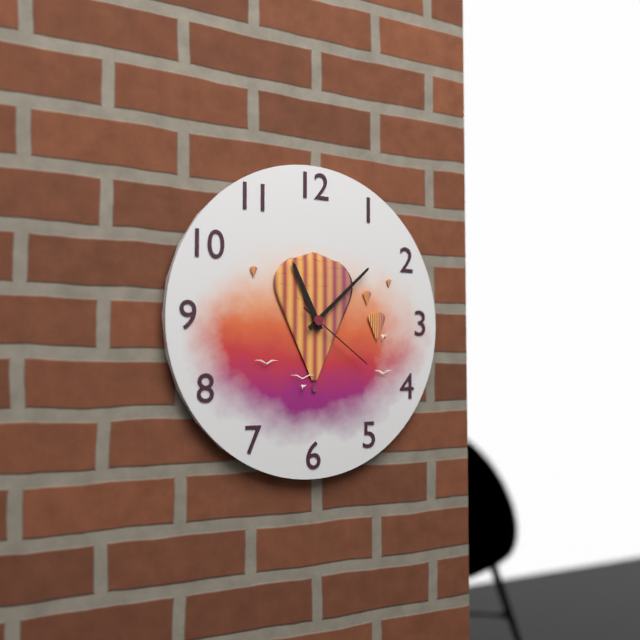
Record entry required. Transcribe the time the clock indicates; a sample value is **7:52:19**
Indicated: **11:08:21**
